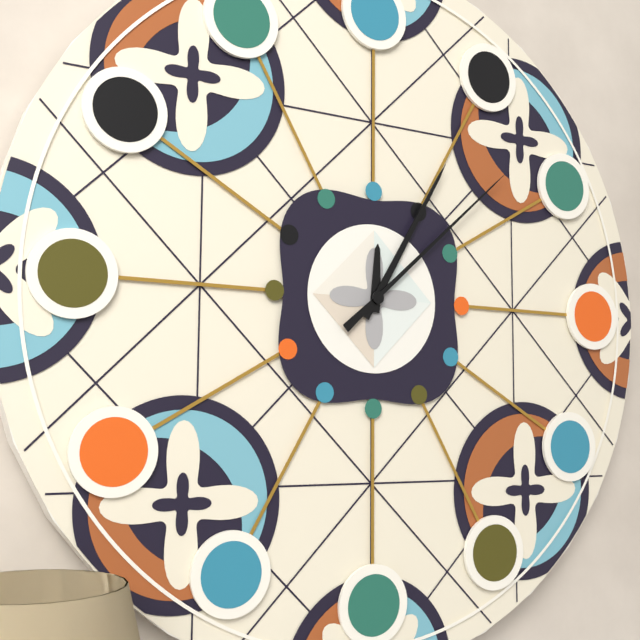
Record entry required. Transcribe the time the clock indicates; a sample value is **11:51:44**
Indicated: **12:05:08**
